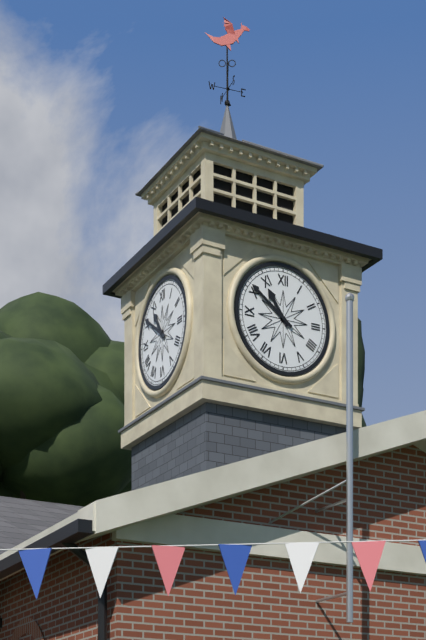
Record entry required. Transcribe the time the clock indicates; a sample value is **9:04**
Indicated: **10:51**
